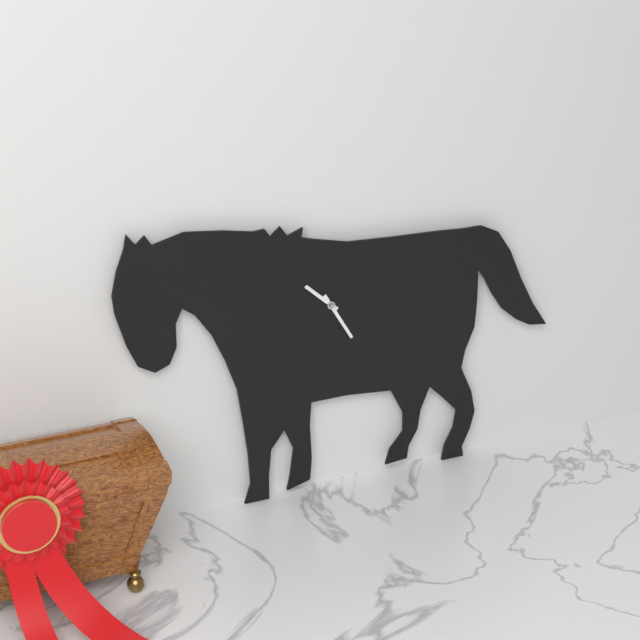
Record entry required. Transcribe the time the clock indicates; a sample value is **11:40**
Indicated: **10:25**
